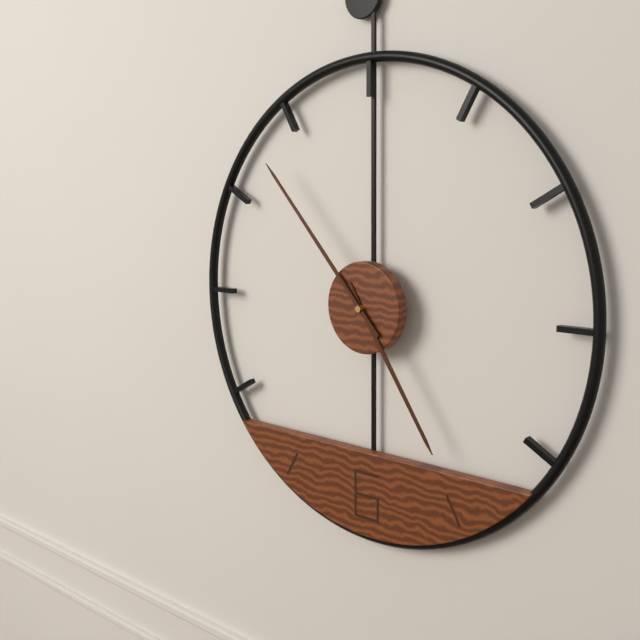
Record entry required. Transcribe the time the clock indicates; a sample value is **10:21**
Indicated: **4:53**
